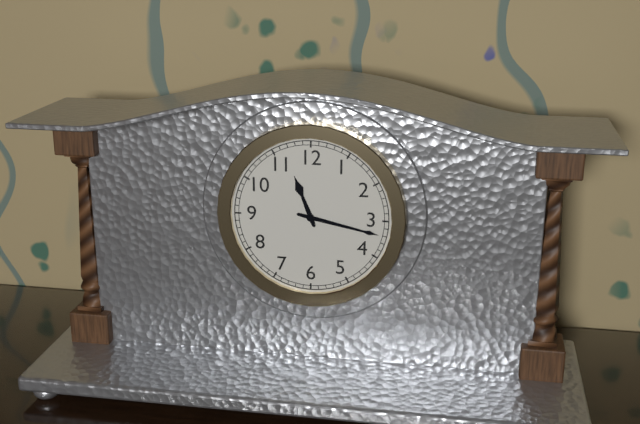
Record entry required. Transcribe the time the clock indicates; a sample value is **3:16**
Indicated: **11:17**
